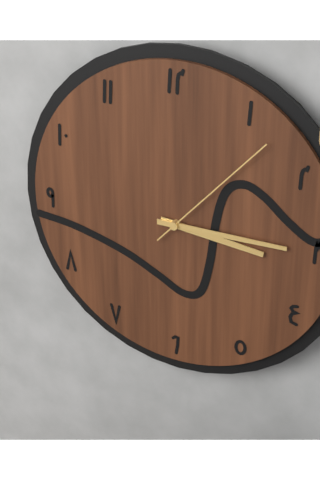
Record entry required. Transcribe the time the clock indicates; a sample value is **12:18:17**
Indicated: **3:15:07**
